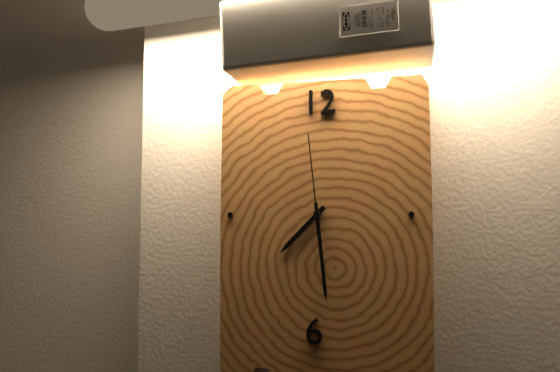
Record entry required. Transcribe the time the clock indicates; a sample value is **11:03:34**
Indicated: **7:29:59**
